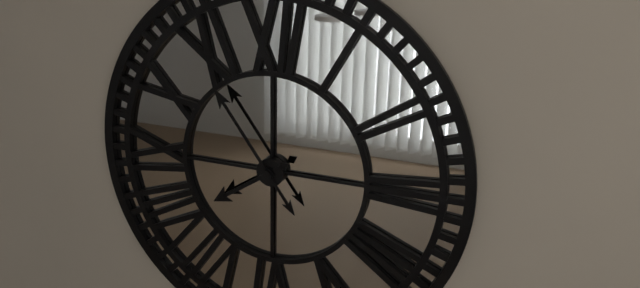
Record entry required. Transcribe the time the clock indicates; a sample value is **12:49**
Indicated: **7:54**
